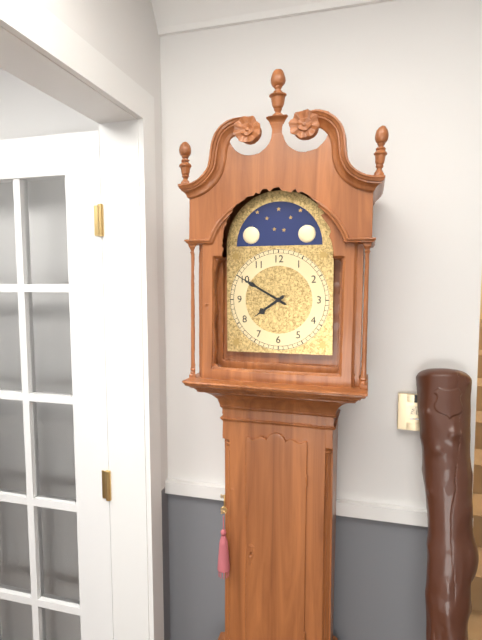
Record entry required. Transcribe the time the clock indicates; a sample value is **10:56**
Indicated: **7:50**
